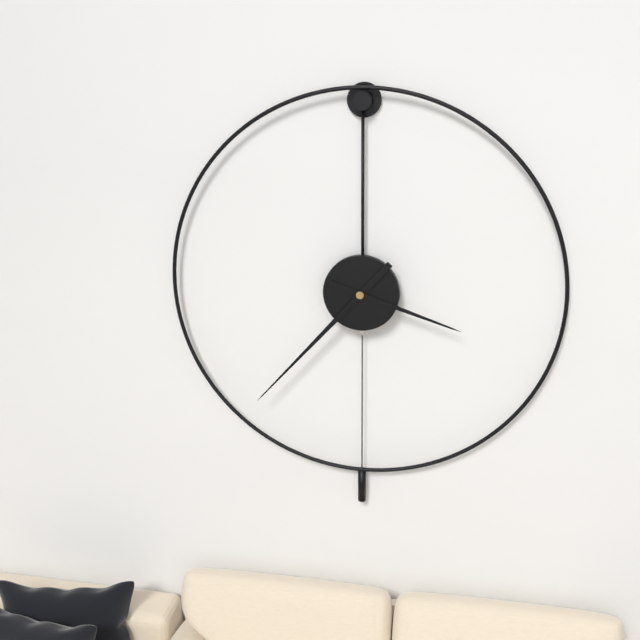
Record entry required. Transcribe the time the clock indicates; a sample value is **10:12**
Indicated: **3:37**
